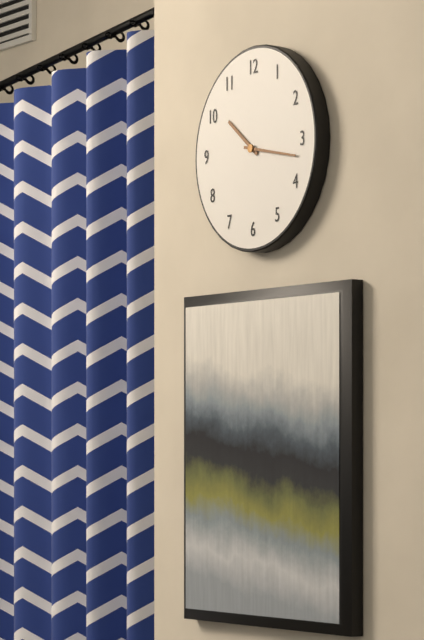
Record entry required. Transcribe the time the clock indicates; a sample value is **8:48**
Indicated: **10:17**
